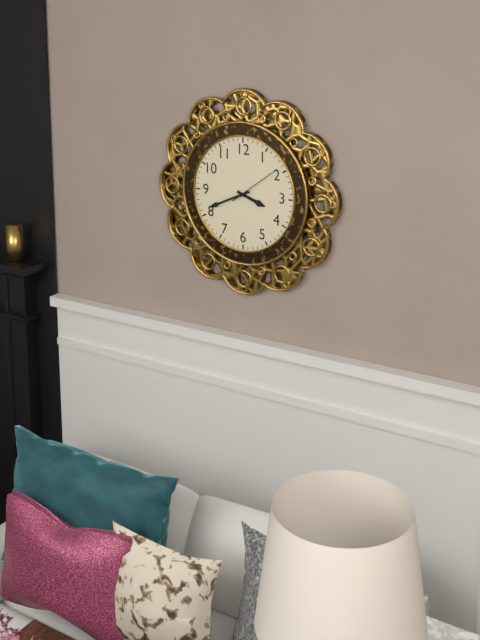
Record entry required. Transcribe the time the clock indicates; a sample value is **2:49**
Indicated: **3:41**
